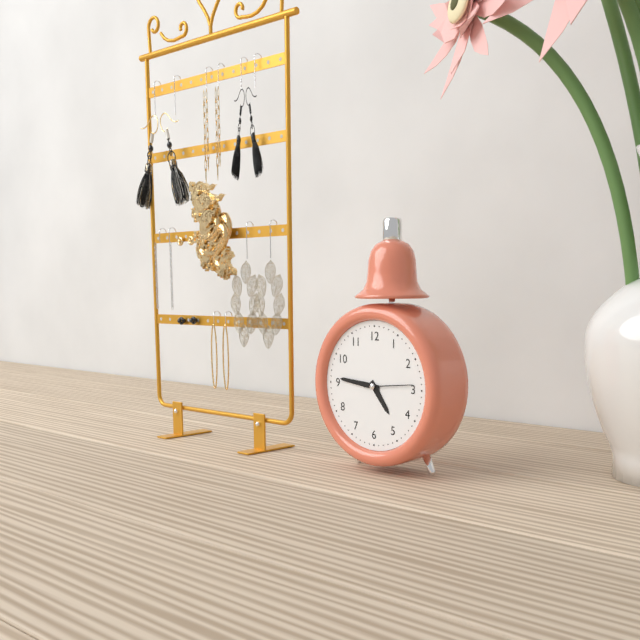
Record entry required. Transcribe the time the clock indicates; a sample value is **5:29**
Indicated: **4:46**
